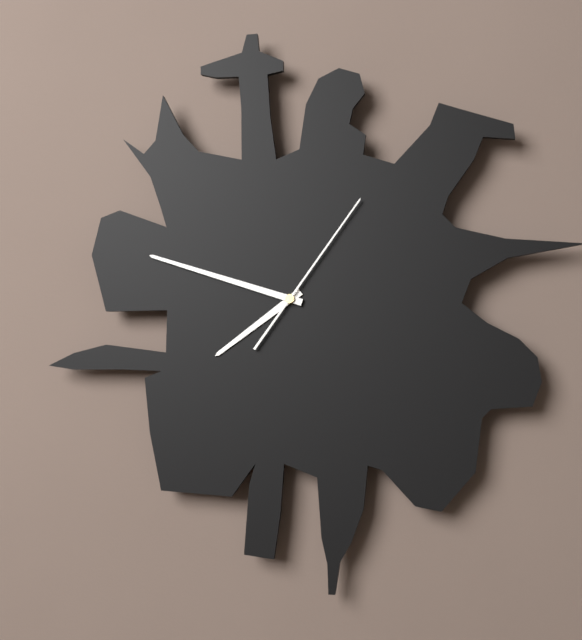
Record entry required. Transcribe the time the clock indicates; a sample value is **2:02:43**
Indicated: **7:48:06**
